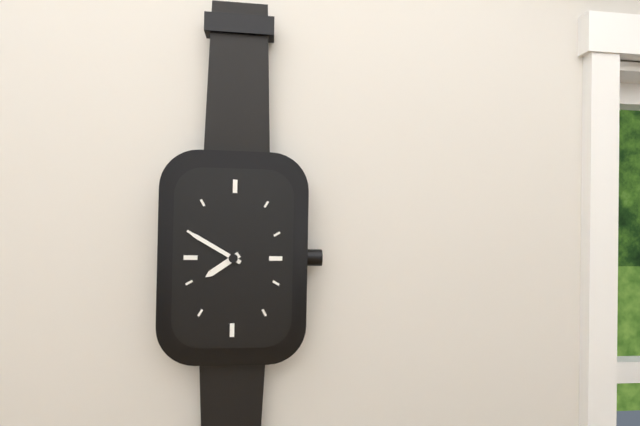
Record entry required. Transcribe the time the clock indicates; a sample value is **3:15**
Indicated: **7:50**
